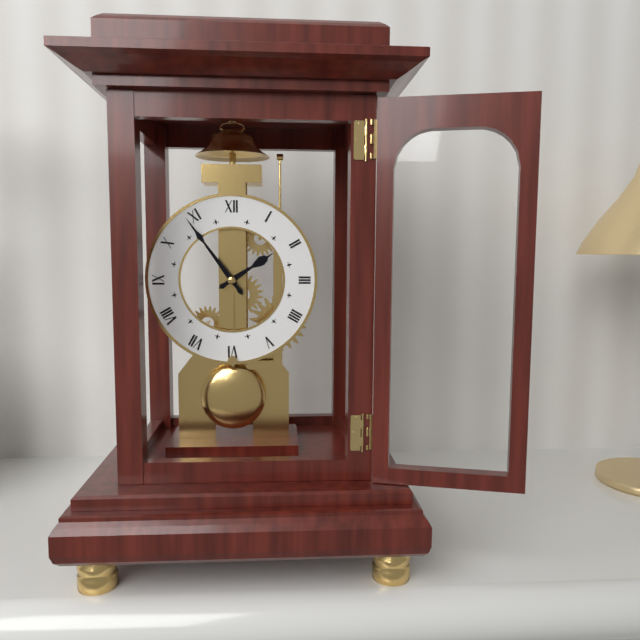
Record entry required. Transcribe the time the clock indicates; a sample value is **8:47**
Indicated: **1:54**
